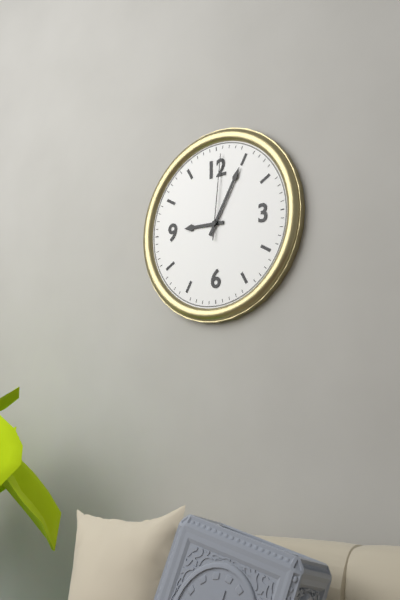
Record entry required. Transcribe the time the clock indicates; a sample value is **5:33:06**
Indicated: **9:05:01**
